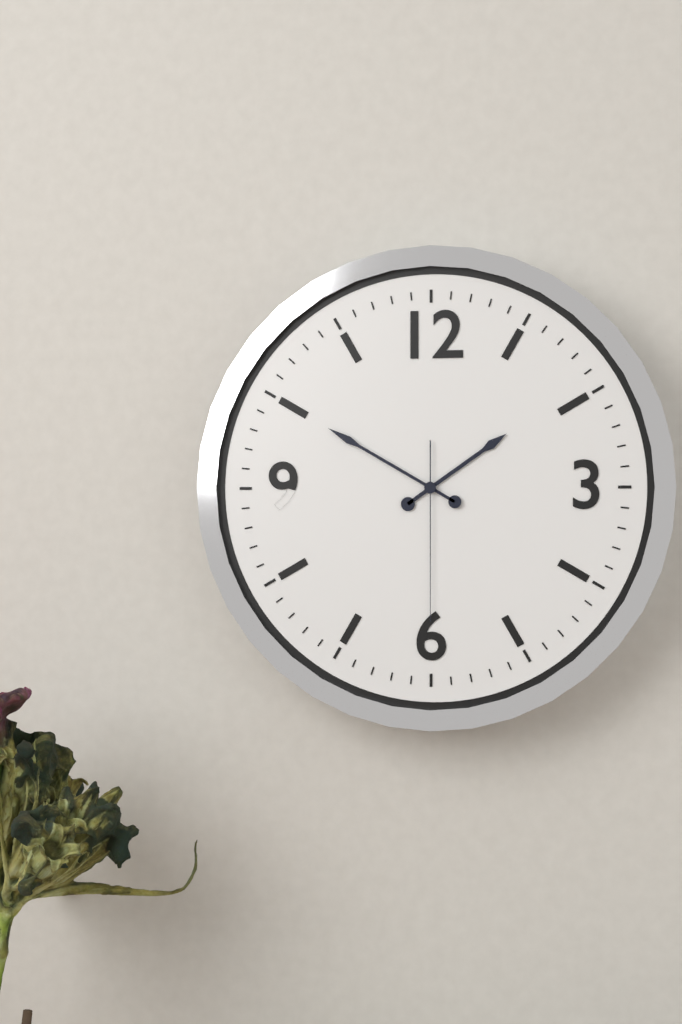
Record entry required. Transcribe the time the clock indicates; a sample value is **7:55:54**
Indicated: **1:50:30**
